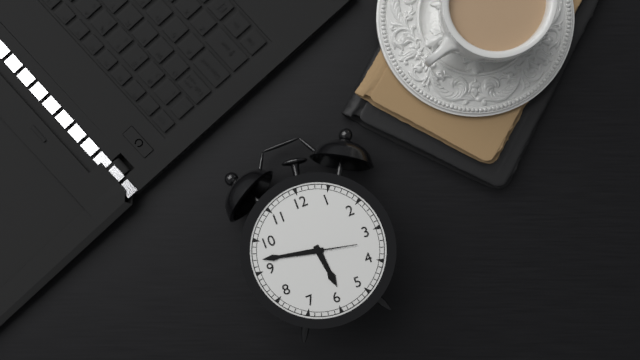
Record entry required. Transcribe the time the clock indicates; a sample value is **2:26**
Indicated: **5:47**
